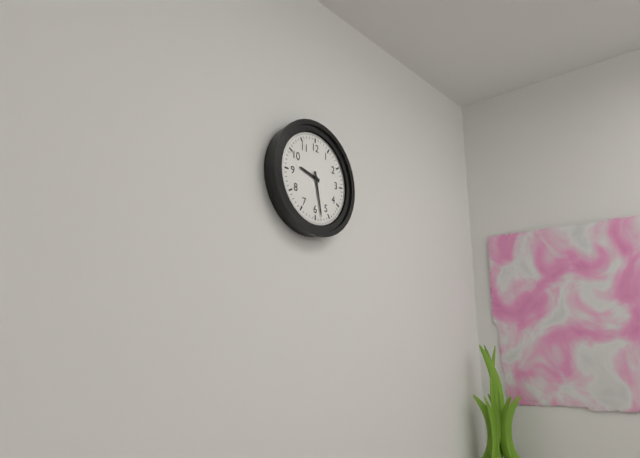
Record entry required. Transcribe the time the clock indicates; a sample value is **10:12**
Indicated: **9:28**
